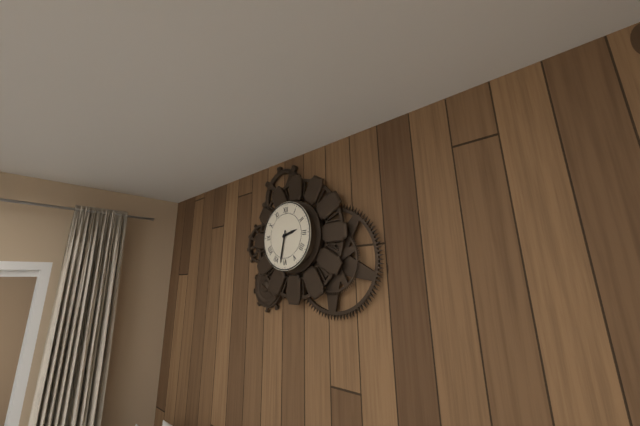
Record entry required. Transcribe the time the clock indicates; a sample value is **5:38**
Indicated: **2:32**
